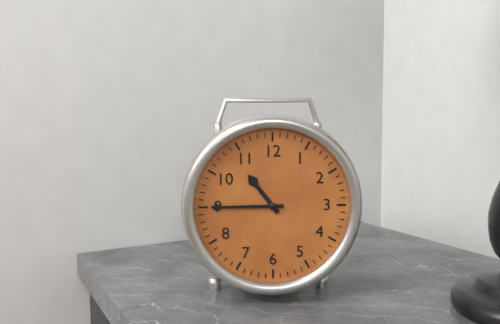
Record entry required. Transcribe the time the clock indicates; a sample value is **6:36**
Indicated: **10:45**
